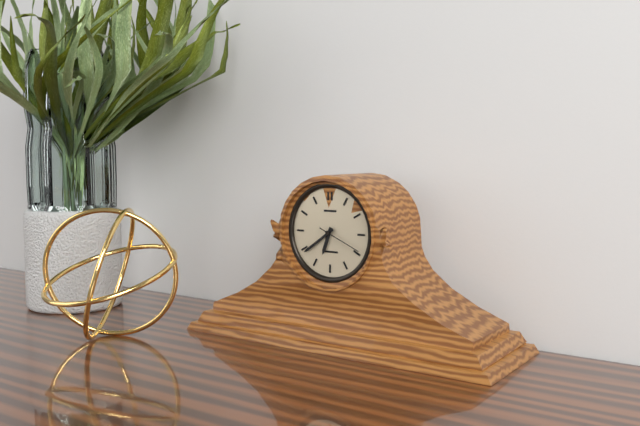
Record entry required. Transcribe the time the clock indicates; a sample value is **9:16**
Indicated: **6:39**
